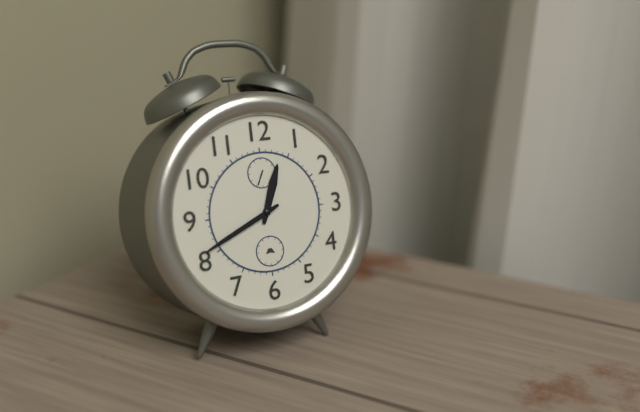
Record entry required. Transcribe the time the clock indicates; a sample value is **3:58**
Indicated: **12:41**
